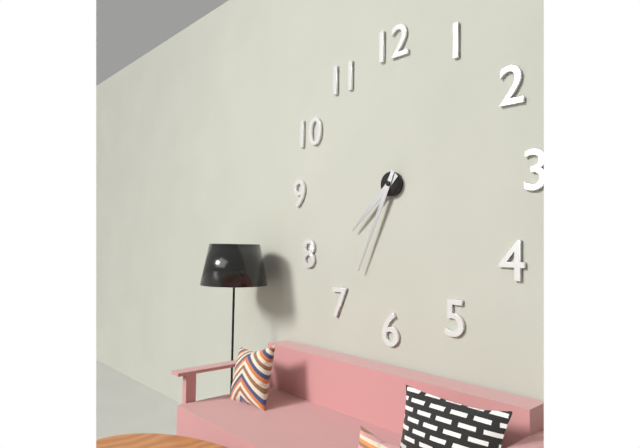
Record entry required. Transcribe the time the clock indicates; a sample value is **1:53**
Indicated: **7:34**
